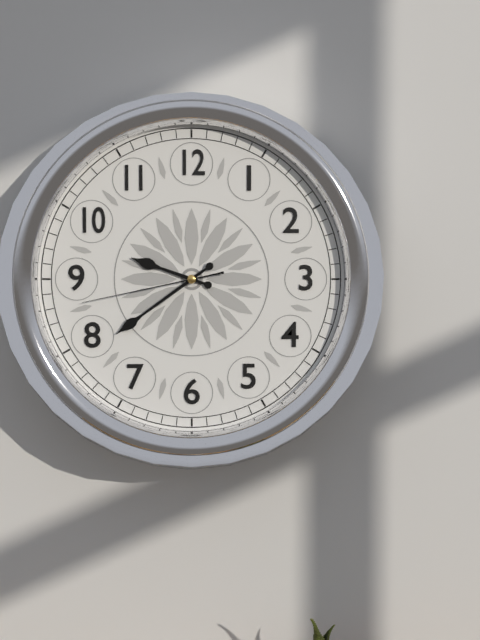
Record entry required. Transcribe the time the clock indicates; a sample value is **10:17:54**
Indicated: **9:39:43**
